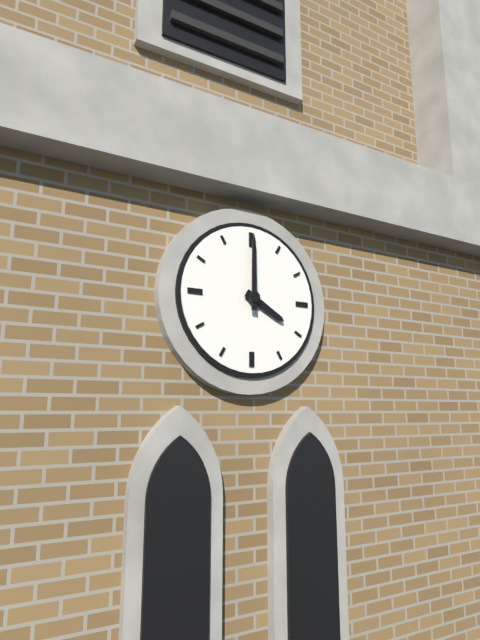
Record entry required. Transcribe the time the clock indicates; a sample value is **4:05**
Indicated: **4:00**
